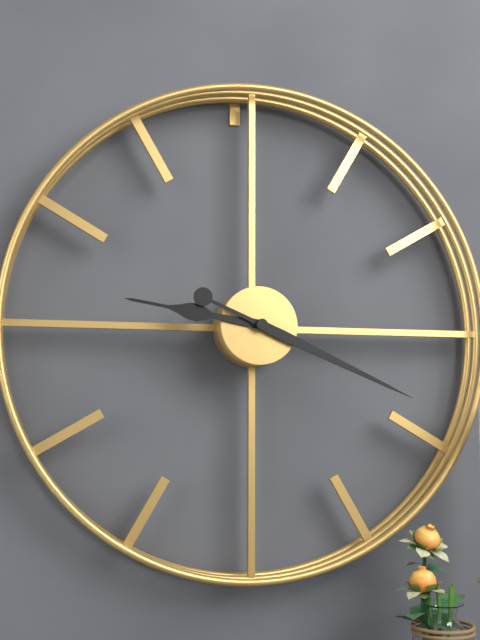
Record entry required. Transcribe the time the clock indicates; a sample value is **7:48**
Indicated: **9:19**
